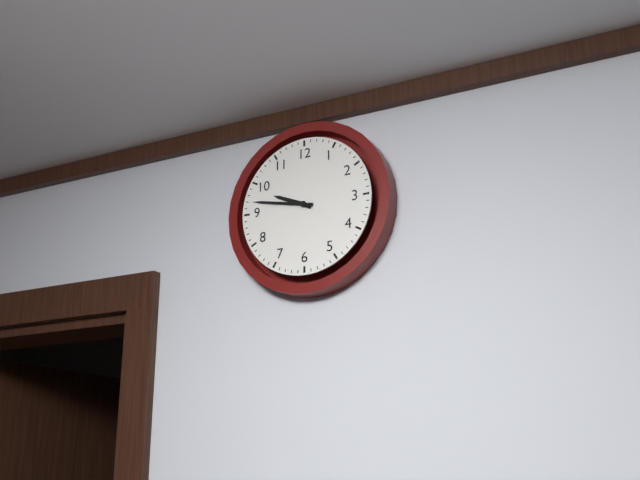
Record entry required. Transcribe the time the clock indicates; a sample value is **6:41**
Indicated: **9:47**
